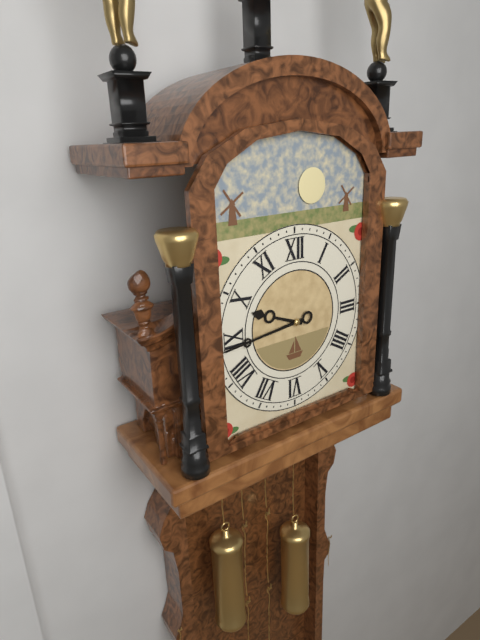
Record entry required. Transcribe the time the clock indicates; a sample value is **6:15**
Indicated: **9:44**
